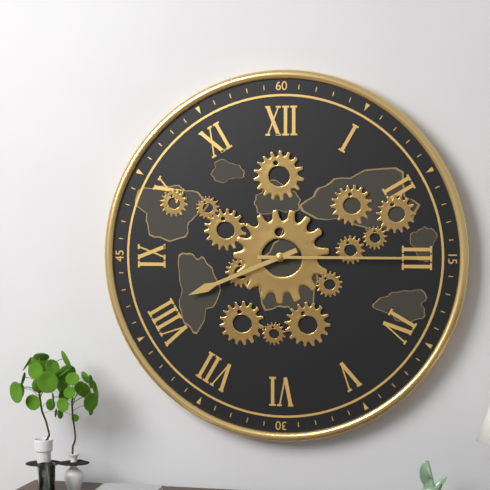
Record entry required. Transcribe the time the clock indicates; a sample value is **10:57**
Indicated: **8:15**
